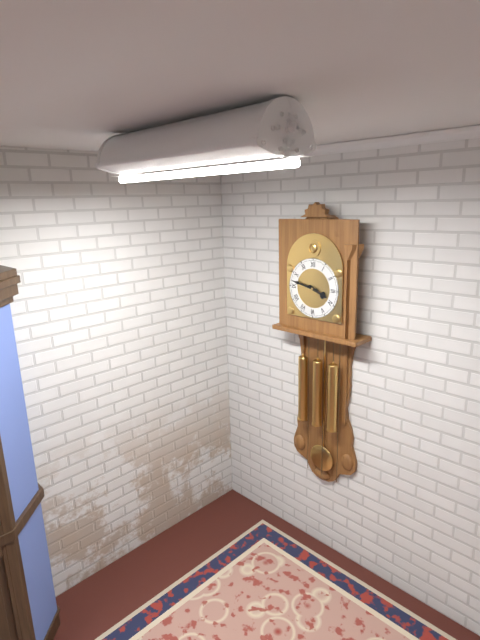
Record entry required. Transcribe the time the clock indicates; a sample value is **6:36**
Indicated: **3:47**
